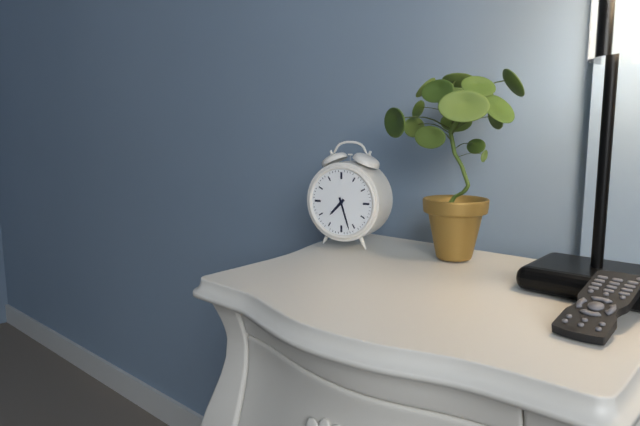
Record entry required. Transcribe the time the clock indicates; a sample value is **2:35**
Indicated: **7:27**
